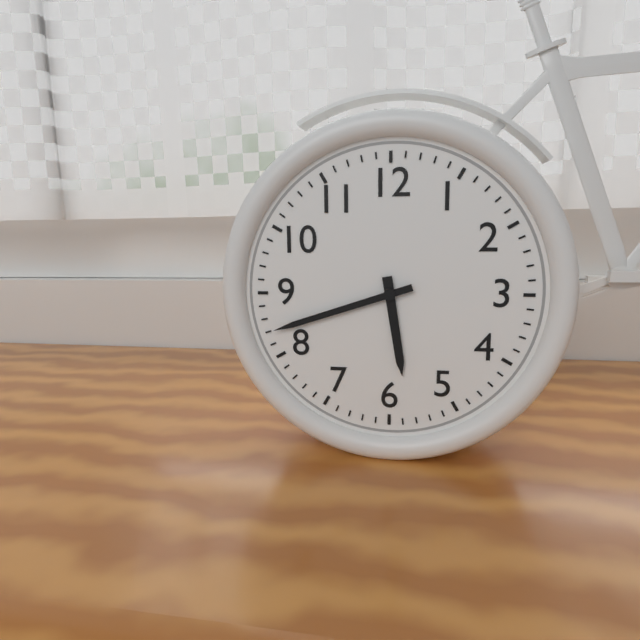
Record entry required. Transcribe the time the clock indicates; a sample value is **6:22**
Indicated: **5:42**
